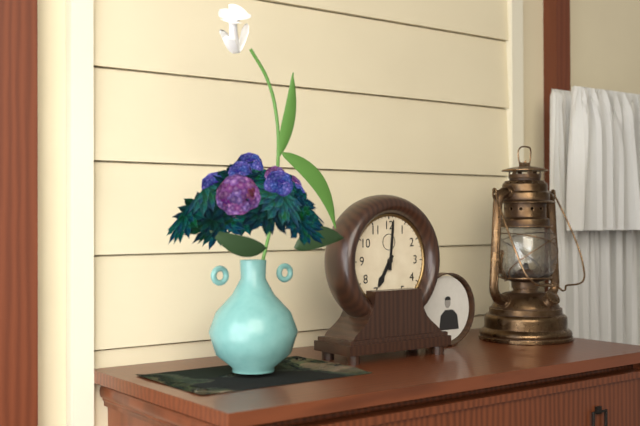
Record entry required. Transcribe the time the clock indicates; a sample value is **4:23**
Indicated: **7:01**
